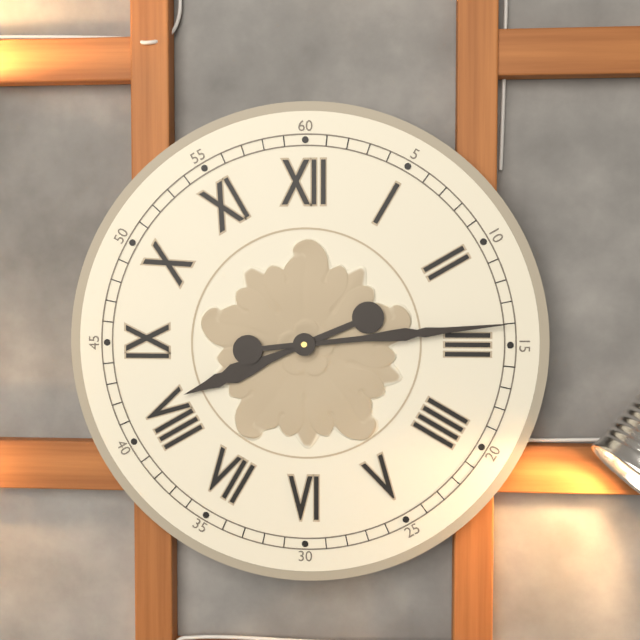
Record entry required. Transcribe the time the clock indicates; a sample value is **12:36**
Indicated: **8:14**
